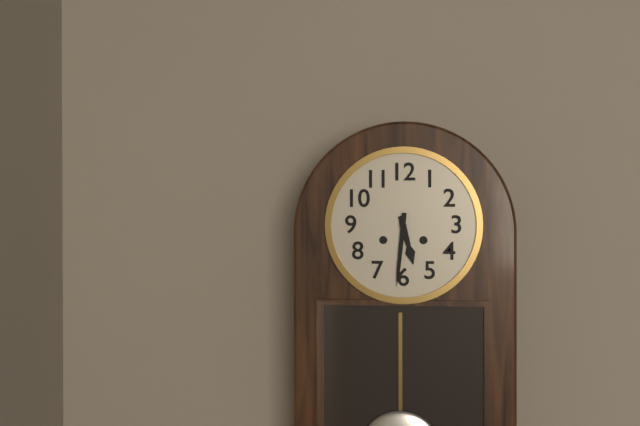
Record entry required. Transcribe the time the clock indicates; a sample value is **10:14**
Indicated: **5:31**
